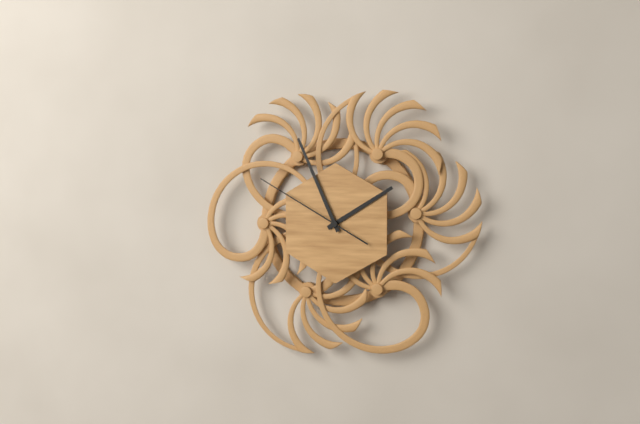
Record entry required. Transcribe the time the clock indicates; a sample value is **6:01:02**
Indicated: **1:56:50**
